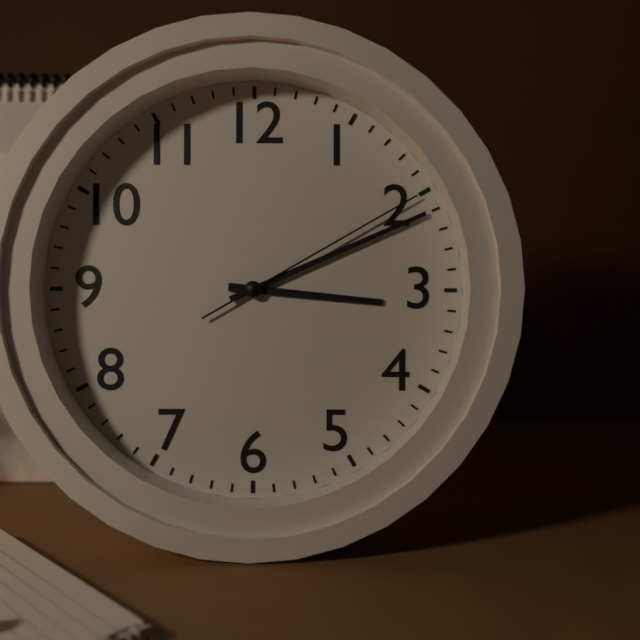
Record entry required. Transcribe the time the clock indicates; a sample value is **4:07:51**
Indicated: **3:11:10**
